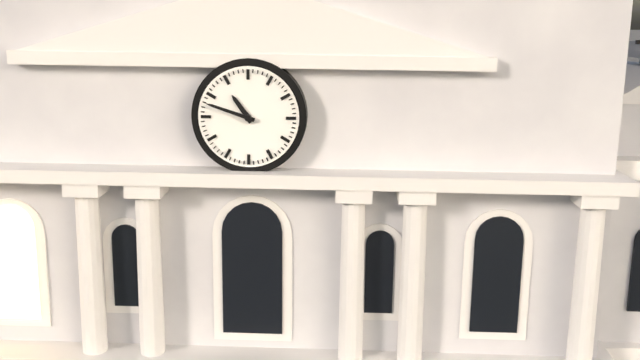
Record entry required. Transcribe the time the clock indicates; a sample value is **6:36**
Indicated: **10:48**
